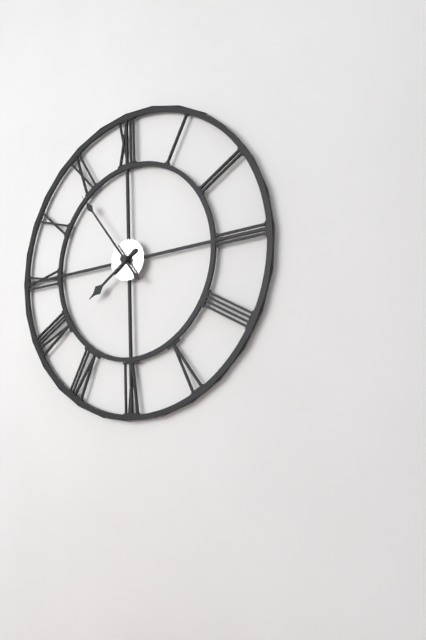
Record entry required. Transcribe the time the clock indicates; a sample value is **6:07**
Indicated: **7:54**
